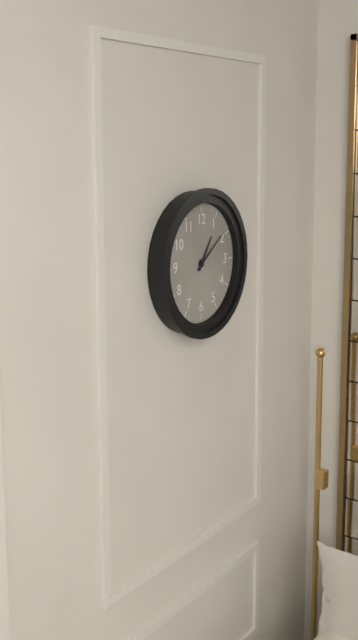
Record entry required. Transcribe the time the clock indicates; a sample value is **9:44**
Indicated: **1:09**
